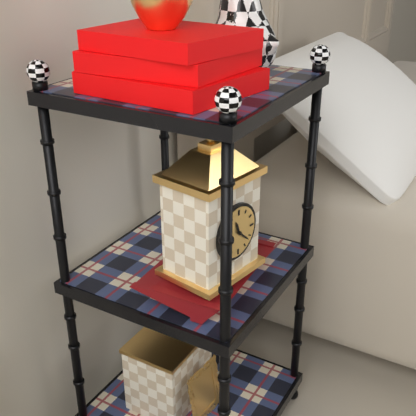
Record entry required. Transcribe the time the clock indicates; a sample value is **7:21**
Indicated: **11:22**
